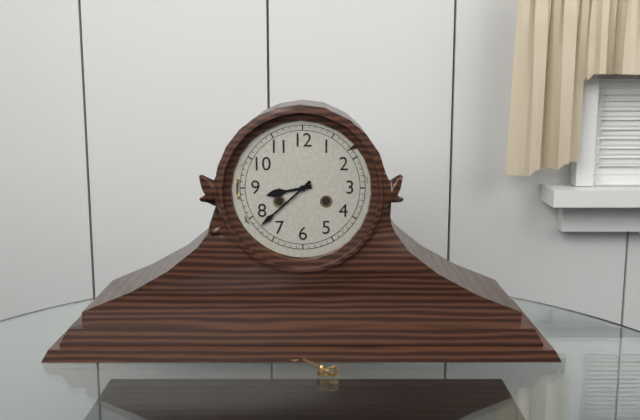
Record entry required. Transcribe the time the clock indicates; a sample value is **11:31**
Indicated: **8:38**
